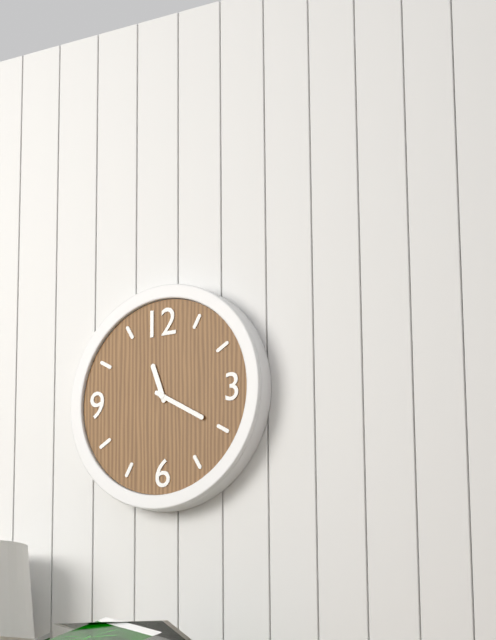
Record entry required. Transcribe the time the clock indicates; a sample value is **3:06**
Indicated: **11:20**
